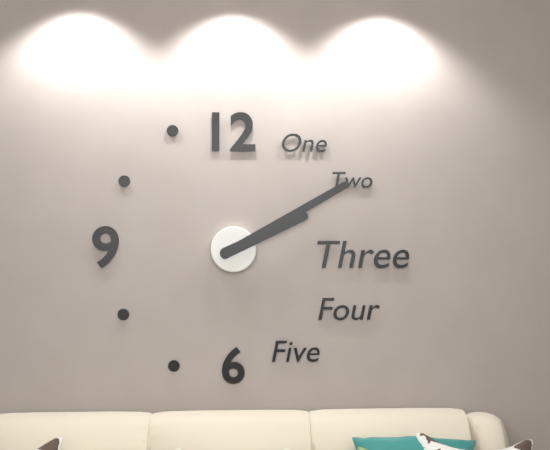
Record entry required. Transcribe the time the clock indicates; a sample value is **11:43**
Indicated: **2:10**
